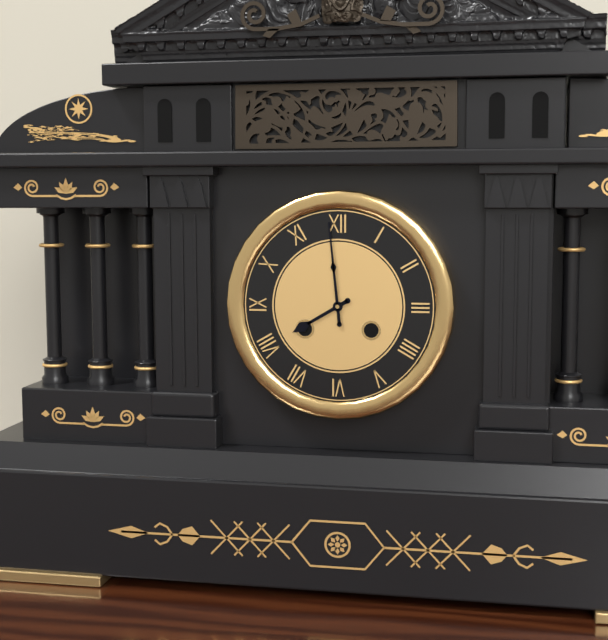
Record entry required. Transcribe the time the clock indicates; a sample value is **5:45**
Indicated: **7:59**
